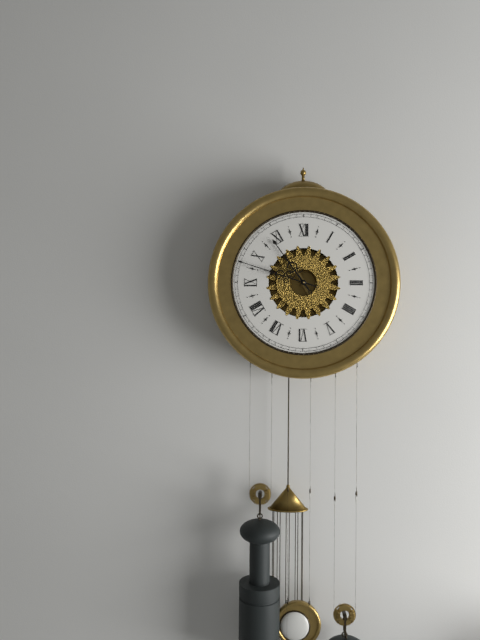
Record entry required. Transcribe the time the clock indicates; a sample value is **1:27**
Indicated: **10:48**
